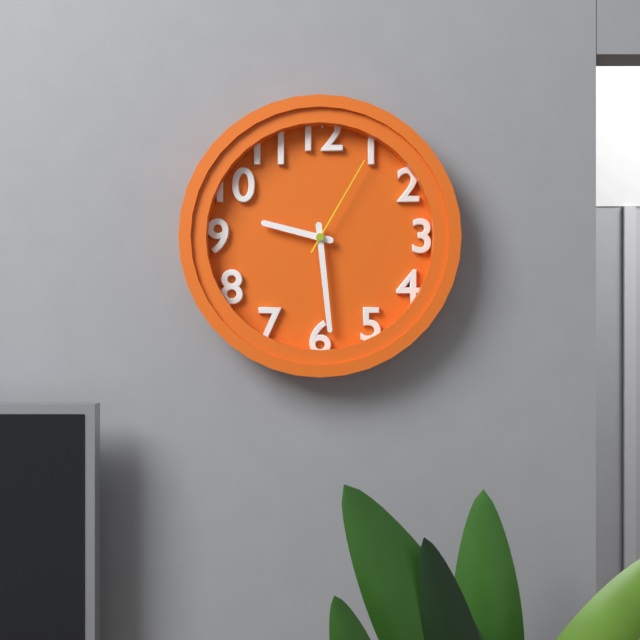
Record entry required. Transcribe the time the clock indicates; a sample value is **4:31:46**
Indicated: **9:29:05**
